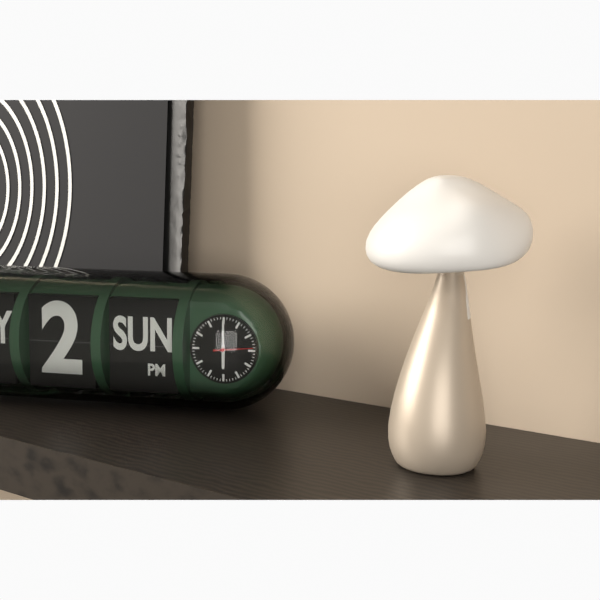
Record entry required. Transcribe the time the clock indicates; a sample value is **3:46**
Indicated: **6:00**
